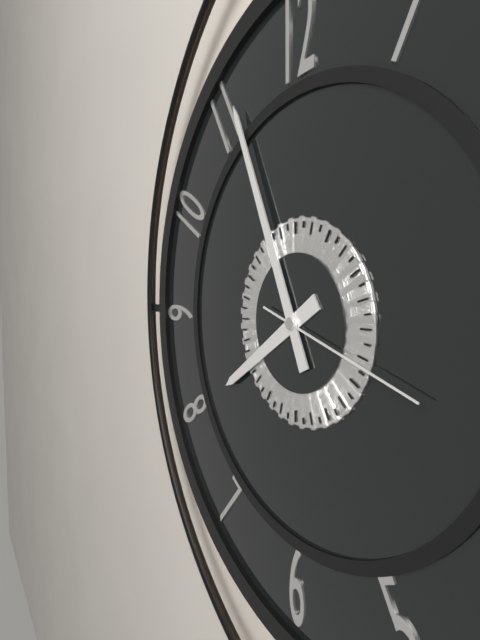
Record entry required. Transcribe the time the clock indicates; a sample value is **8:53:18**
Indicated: **7:56:18**
